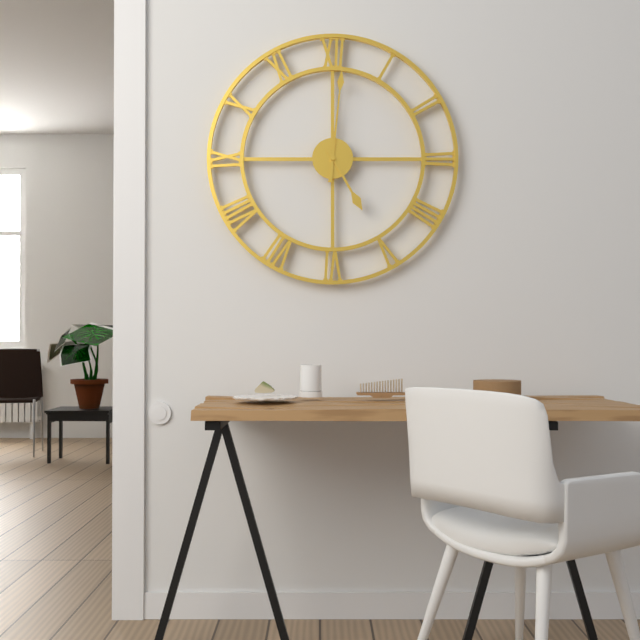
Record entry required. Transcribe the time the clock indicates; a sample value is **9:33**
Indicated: **5:01**
